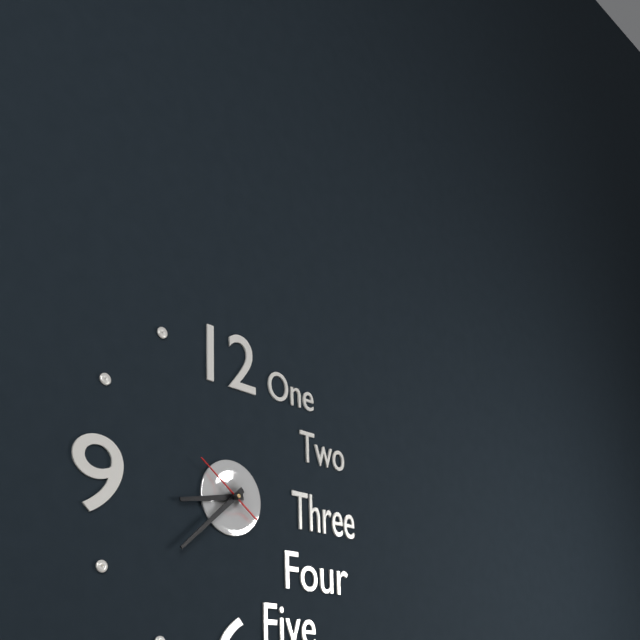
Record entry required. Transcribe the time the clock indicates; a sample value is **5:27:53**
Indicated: **8:38:51**
